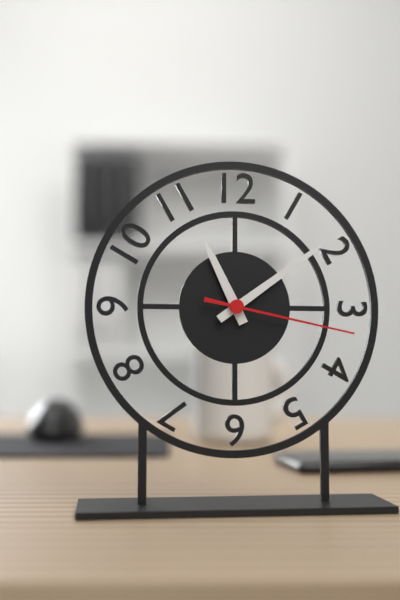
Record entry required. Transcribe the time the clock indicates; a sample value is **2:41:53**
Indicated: **11:09:17**
